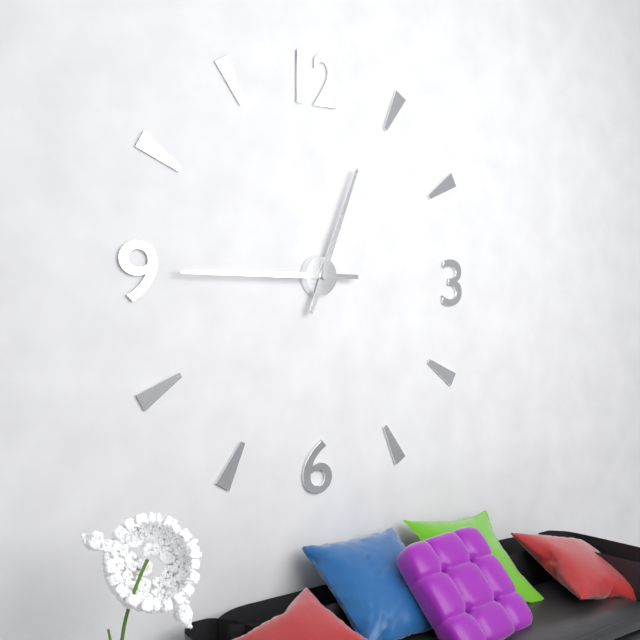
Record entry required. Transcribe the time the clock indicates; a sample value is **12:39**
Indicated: **12:45**
